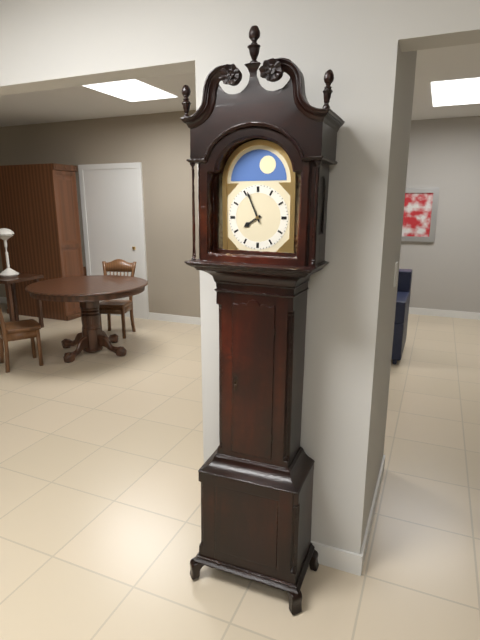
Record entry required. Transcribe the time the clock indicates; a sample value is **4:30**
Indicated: **7:56**
